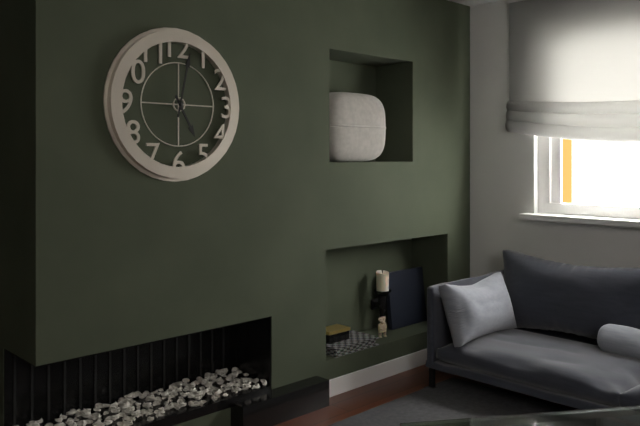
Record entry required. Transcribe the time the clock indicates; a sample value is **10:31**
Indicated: **5:02**
